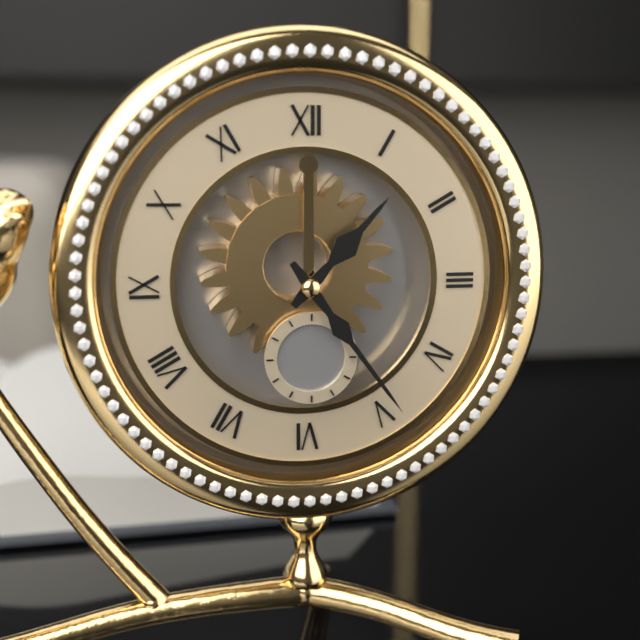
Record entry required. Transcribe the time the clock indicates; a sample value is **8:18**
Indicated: **1:24**
